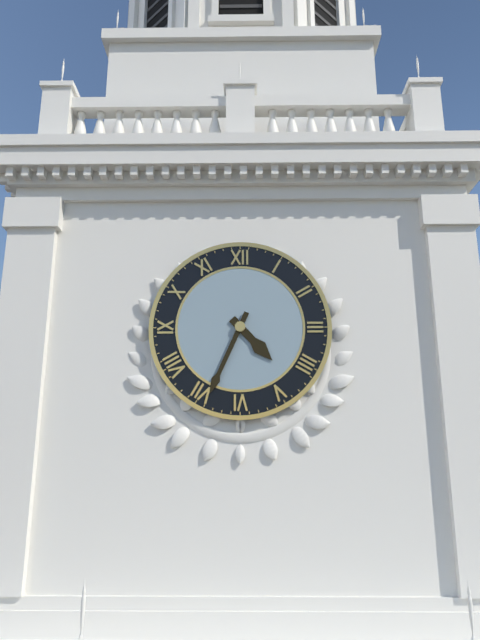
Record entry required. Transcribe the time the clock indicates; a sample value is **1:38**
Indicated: **4:34**
